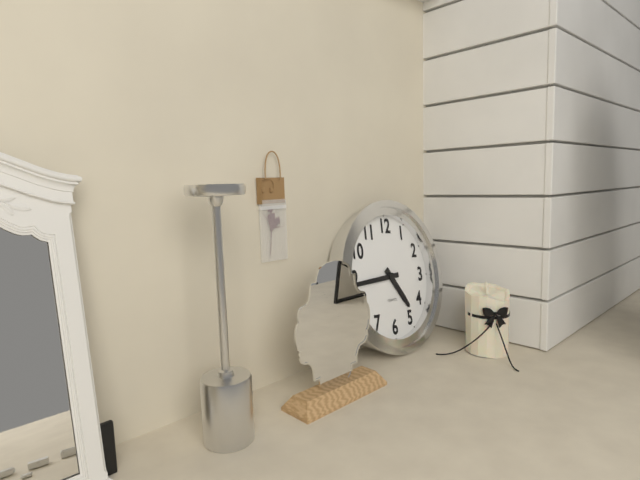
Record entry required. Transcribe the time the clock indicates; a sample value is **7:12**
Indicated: **4:44**
